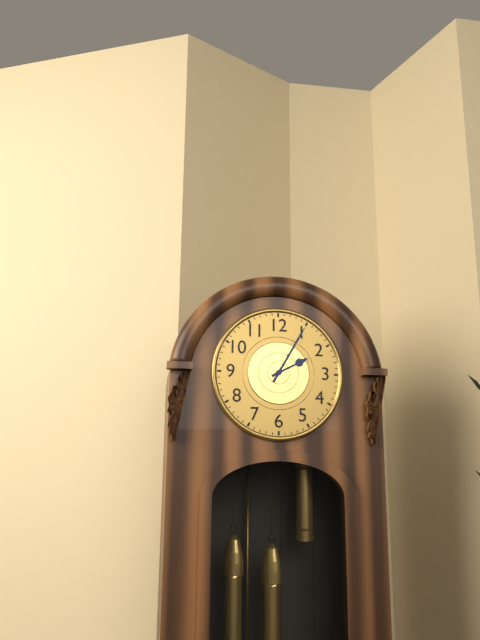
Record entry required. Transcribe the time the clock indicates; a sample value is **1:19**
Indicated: **2:05**
